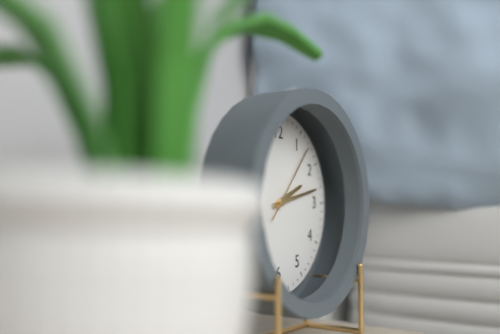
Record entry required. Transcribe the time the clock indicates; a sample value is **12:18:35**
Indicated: **2:13:07**
